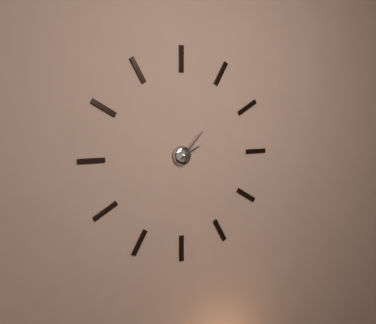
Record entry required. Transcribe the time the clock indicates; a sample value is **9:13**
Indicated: **2:07**
